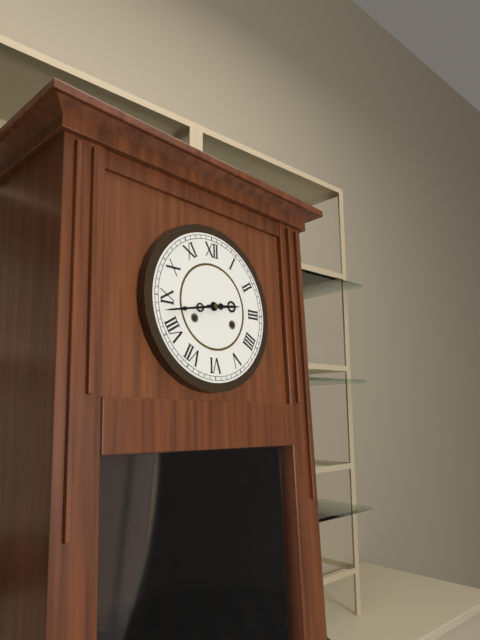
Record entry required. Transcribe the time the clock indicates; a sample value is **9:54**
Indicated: **2:43**
